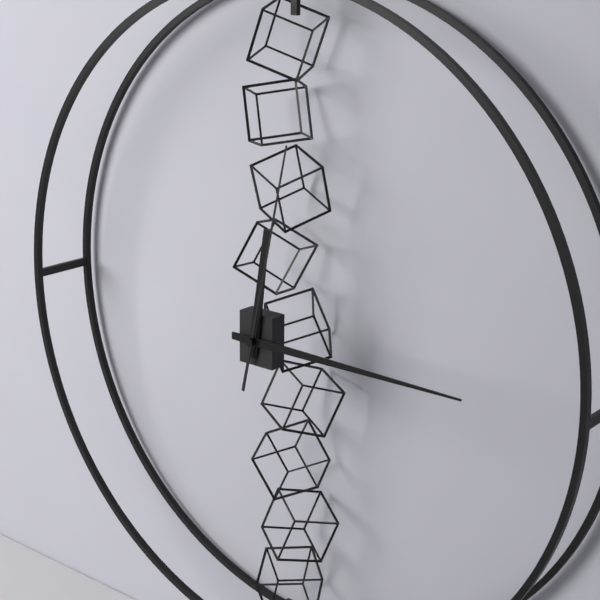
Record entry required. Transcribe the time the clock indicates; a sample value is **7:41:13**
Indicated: **12:15:02**
